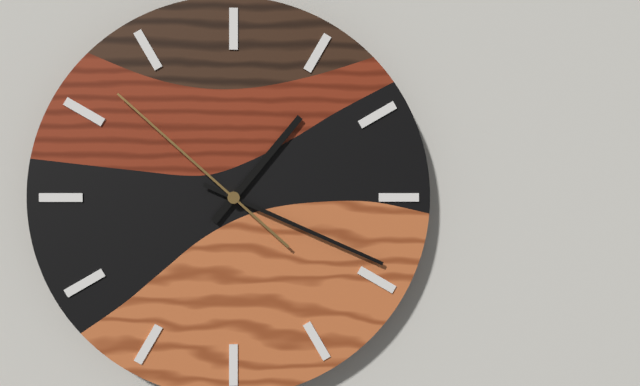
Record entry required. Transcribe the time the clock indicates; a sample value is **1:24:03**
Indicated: **1:19:52**
